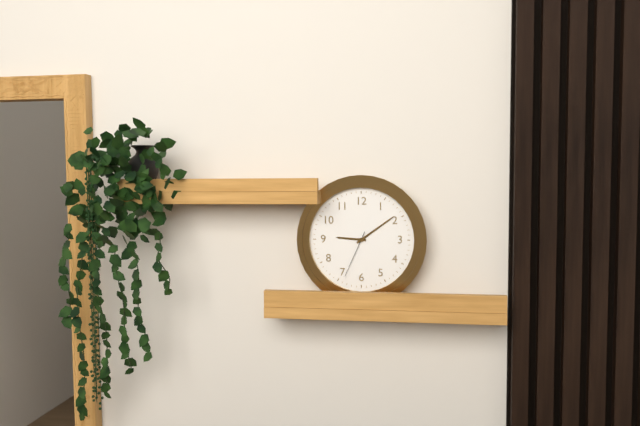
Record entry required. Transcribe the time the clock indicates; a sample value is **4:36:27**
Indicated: **9:09:34**
